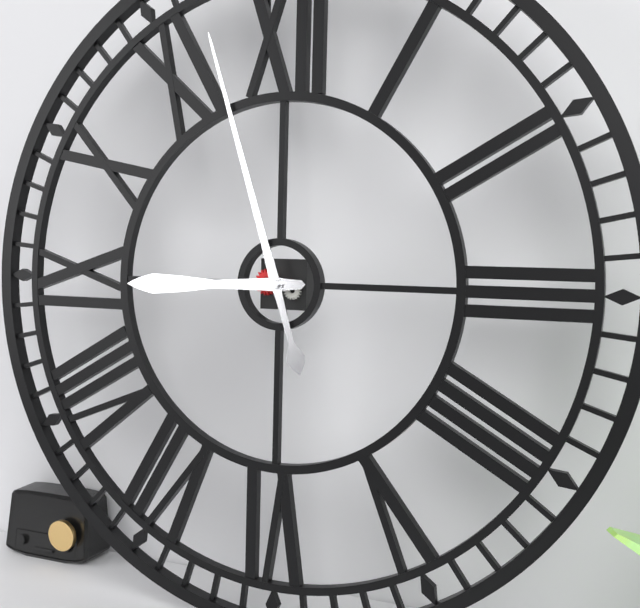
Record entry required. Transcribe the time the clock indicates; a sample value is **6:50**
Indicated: **8:57**
